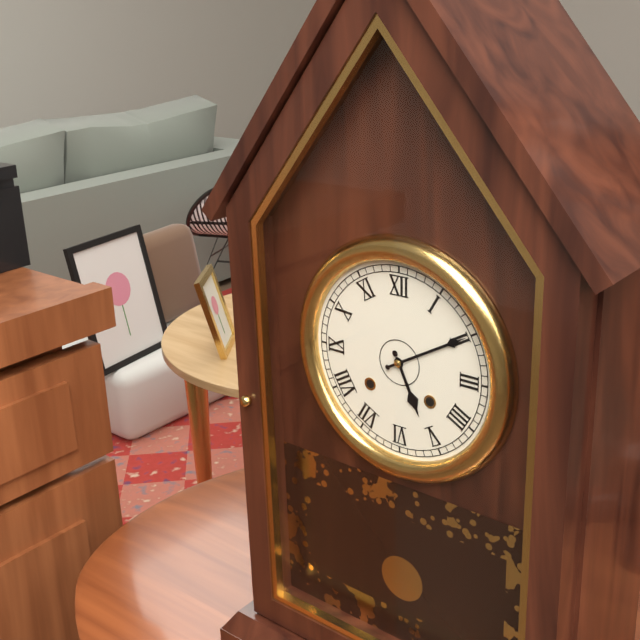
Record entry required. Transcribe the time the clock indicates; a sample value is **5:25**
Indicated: **5:10**
